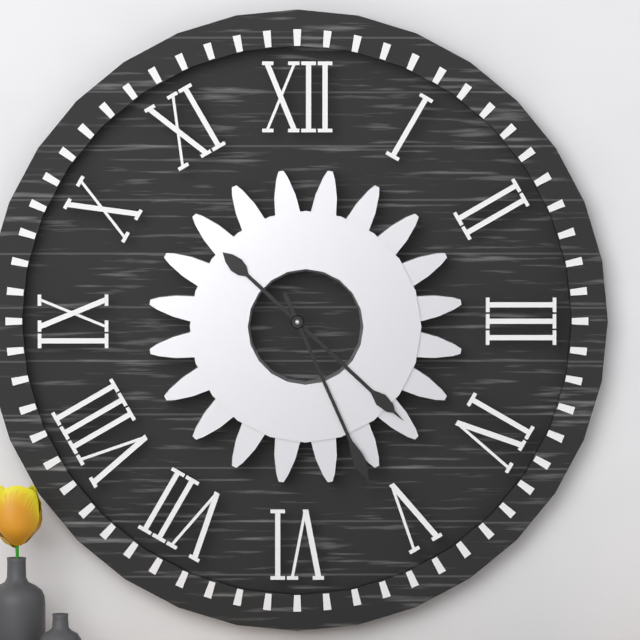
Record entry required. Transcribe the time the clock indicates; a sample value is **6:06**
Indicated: **4:26**
